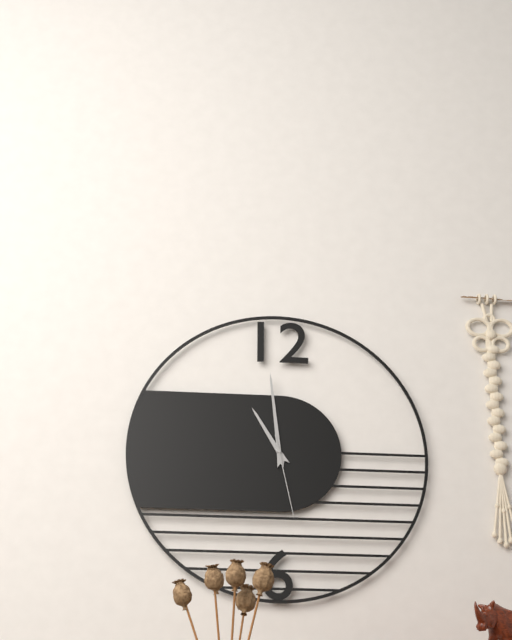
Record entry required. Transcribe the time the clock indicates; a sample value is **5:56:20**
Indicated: **10:59:28**
